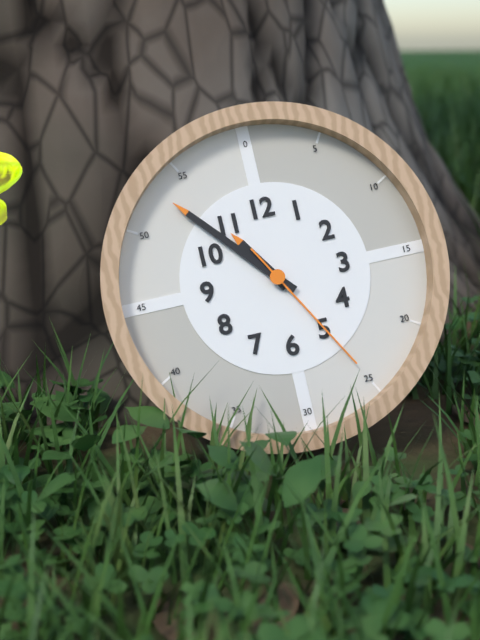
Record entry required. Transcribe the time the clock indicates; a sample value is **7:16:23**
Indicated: **10:53:25**
